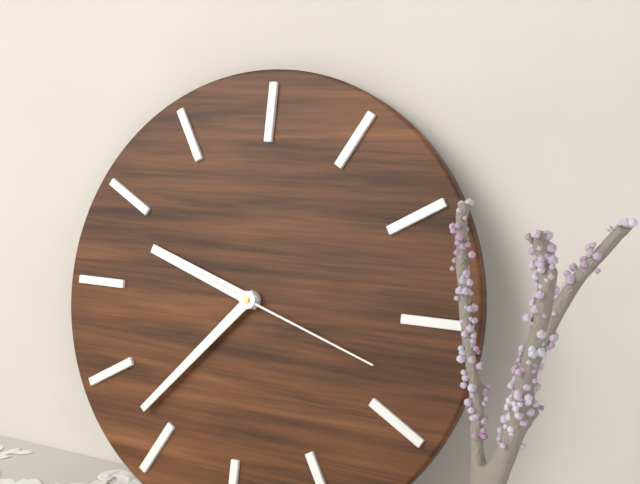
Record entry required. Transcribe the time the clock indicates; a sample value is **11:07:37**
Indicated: **9:37:18**
